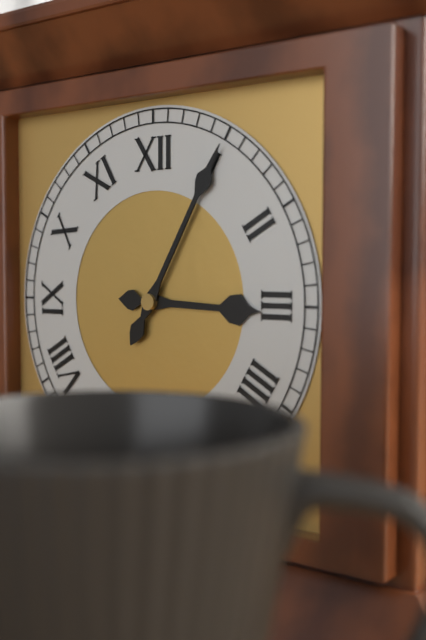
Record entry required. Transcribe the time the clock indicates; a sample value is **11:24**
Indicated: **3:05**
